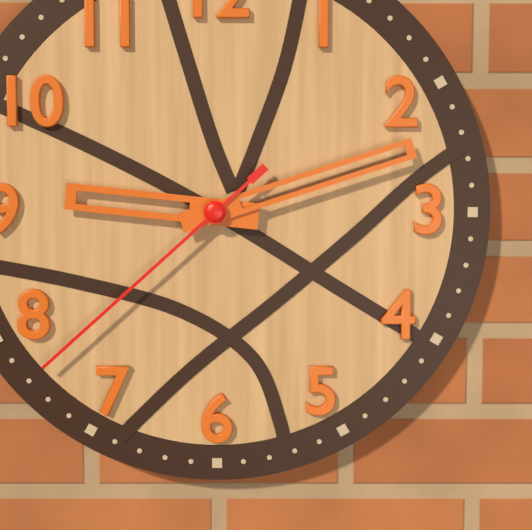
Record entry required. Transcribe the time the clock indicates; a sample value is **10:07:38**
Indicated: **9:12:38**
